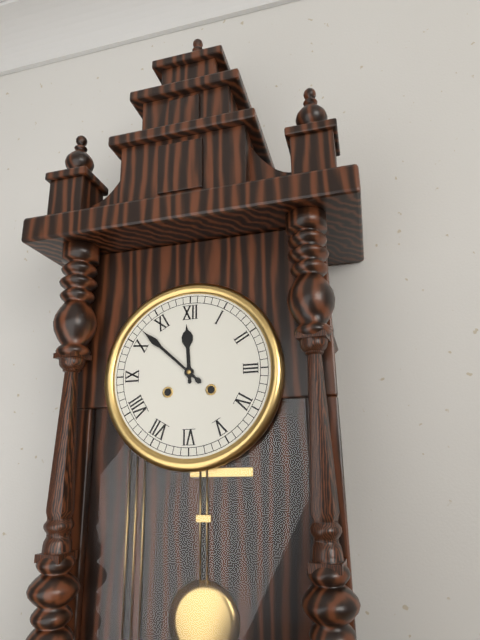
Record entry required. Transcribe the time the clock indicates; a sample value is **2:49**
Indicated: **11:52**
